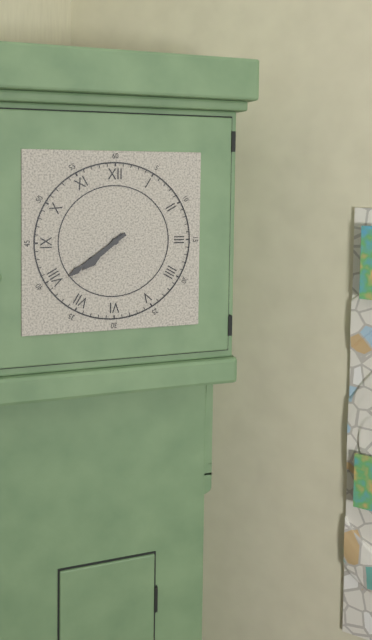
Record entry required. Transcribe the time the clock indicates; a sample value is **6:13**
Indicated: **7:39**
